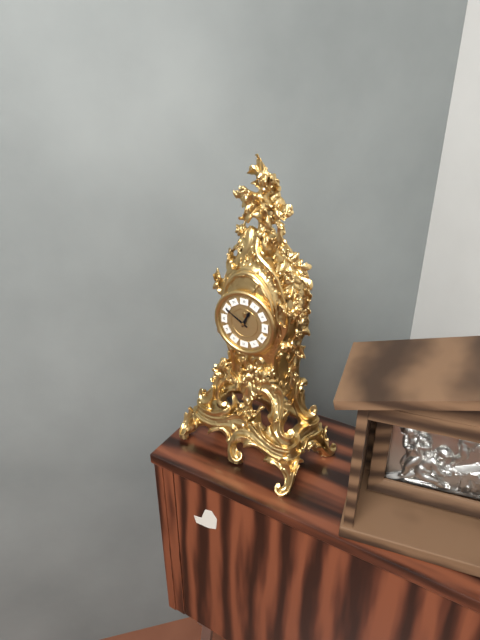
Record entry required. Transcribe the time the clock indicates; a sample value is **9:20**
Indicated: **12:50**
